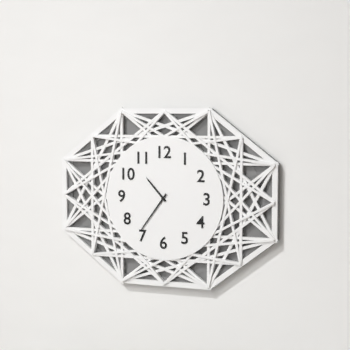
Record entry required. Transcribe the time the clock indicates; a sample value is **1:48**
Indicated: **10:36**
